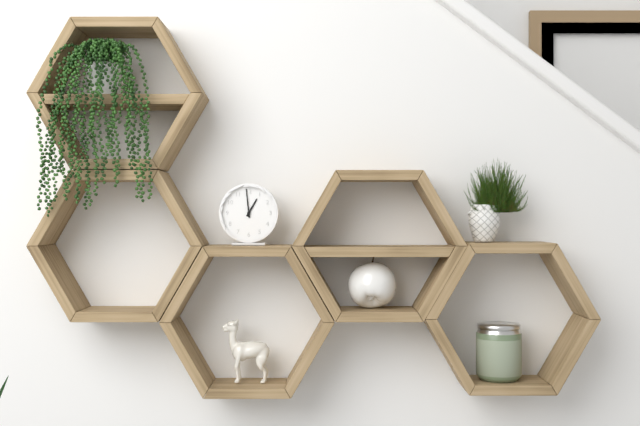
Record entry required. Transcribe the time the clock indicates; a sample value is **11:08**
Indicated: **12:59**
